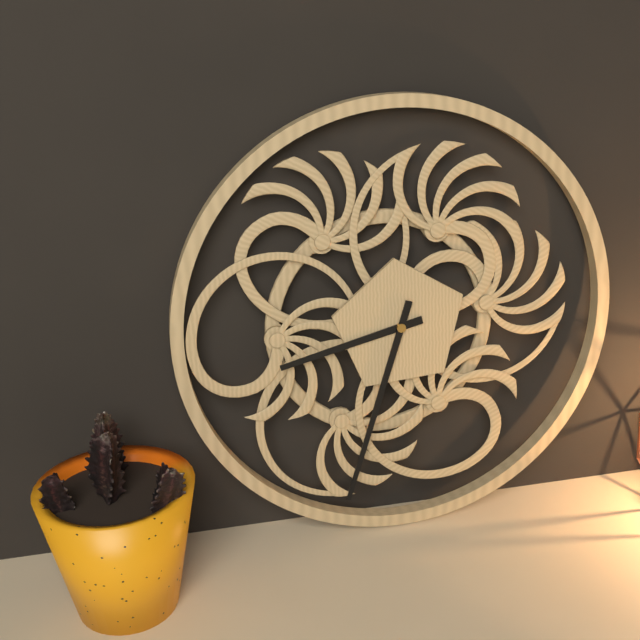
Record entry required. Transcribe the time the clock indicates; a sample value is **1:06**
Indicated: **8:33**
